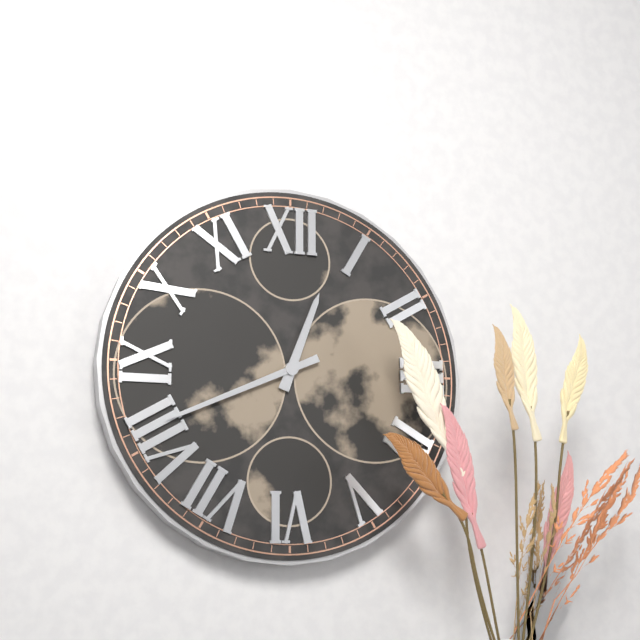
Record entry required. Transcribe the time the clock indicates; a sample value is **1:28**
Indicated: **12:41**
